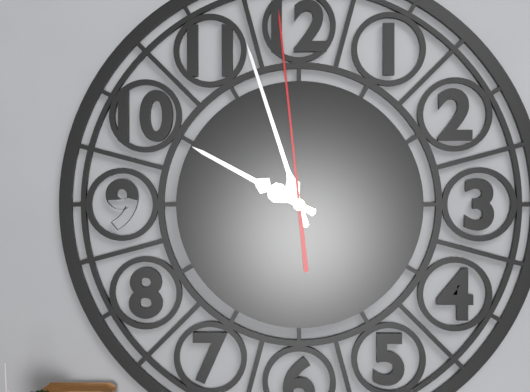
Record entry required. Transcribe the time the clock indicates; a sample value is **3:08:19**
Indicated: **9:57:59**
